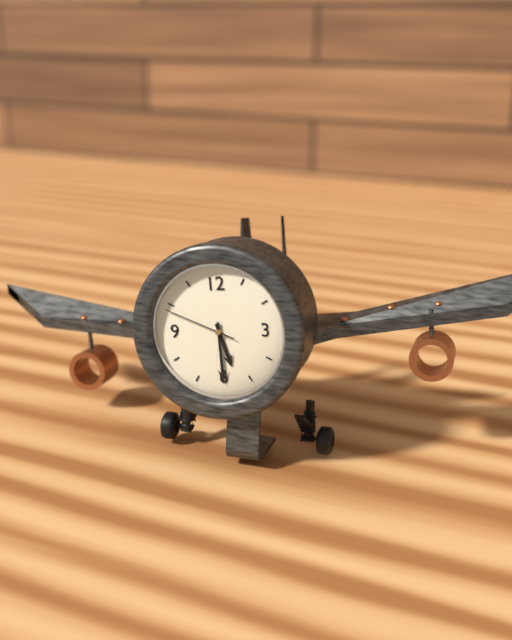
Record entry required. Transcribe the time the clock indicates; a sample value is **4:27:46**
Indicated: **5:30:49**
